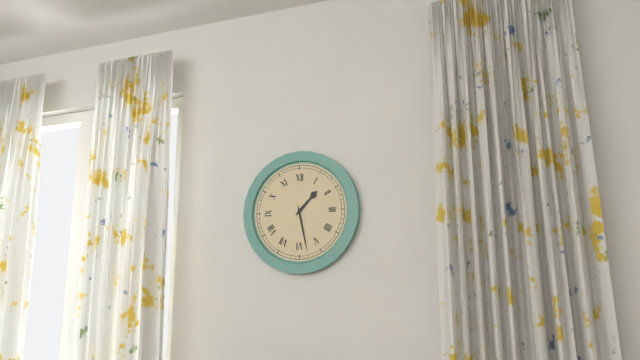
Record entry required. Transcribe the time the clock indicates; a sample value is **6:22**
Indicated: **1:28**
